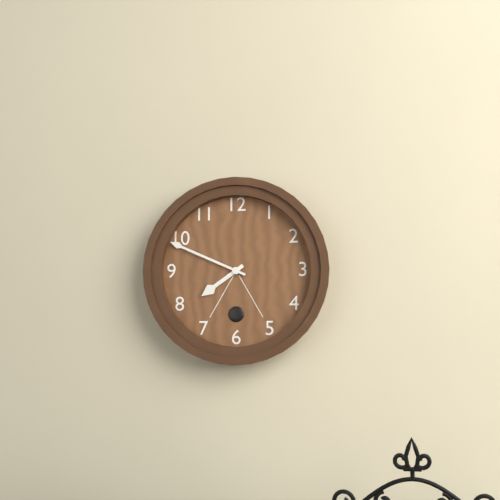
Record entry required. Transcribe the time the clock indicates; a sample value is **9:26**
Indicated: **7:49**
